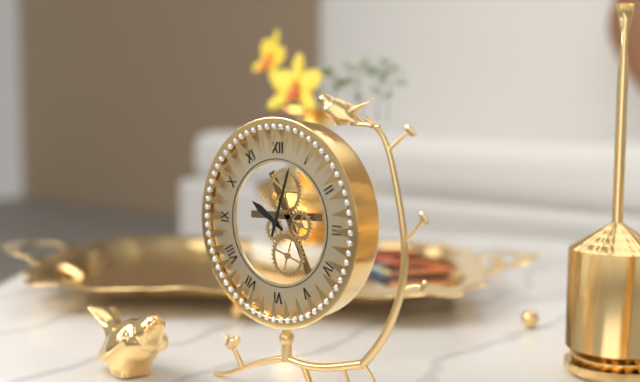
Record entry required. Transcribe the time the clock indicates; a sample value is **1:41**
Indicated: **10:03**
